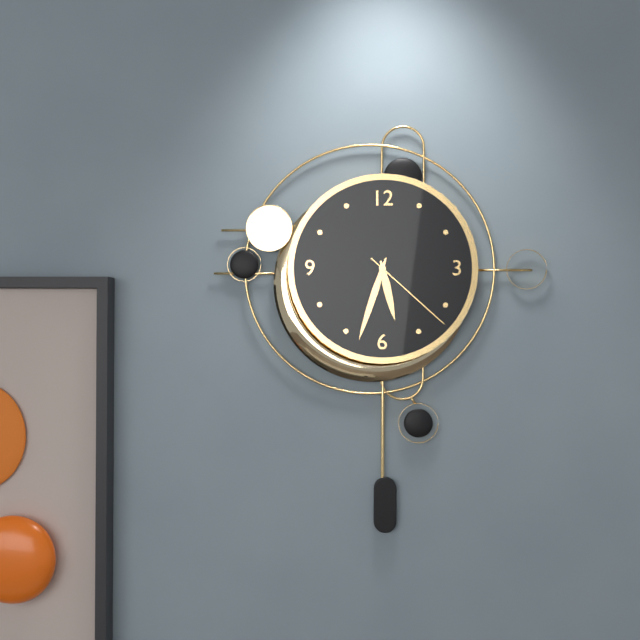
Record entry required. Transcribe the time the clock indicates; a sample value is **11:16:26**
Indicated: **5:33:22**
